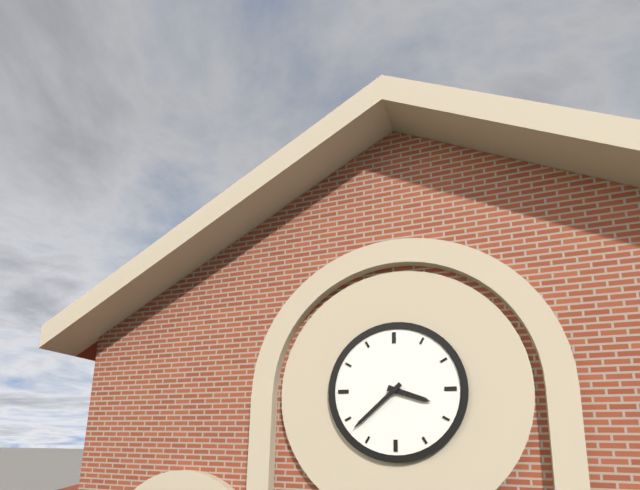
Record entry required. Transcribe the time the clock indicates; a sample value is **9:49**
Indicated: **3:38**
